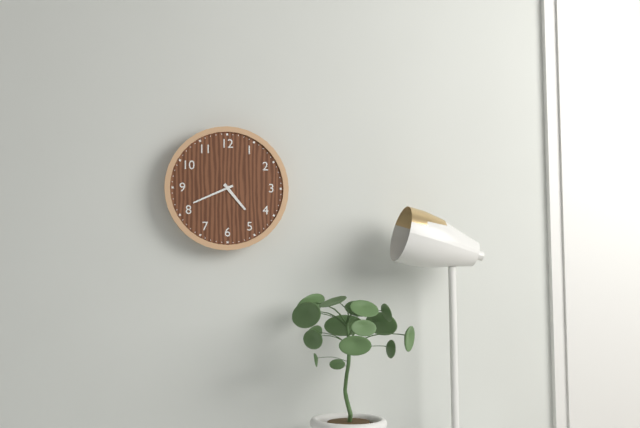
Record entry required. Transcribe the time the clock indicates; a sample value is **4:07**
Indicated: **4:41**
